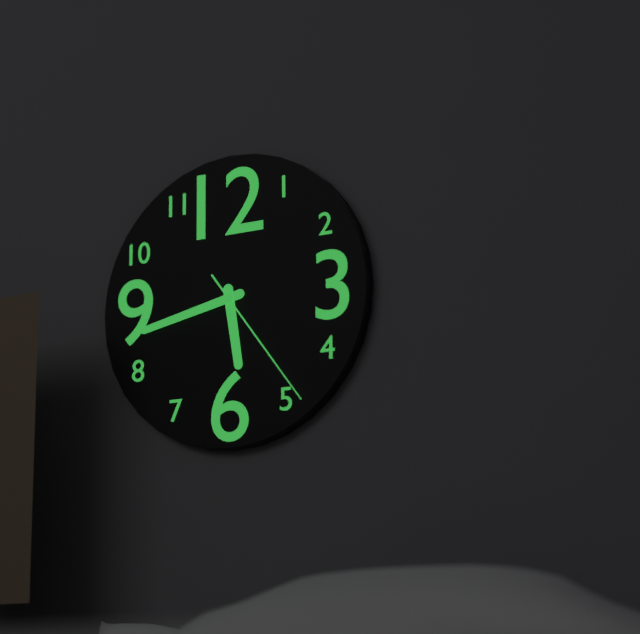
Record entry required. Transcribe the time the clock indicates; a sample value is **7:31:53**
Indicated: **5:43:24**
